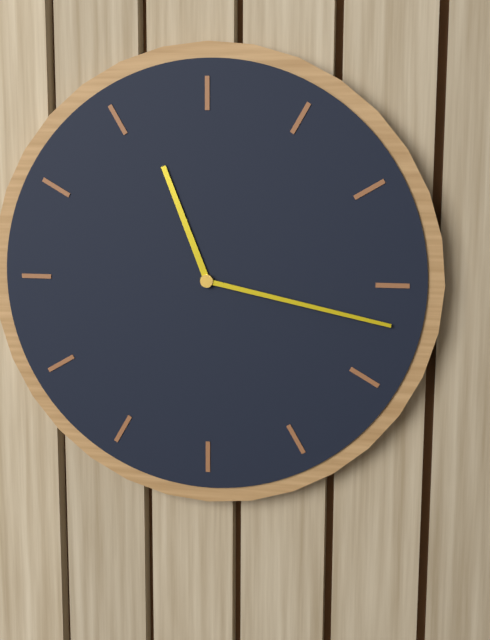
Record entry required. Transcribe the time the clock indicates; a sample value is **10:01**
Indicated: **11:17**
